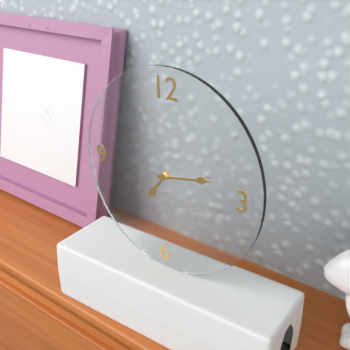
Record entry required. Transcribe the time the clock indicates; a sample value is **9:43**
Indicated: **7:13**
